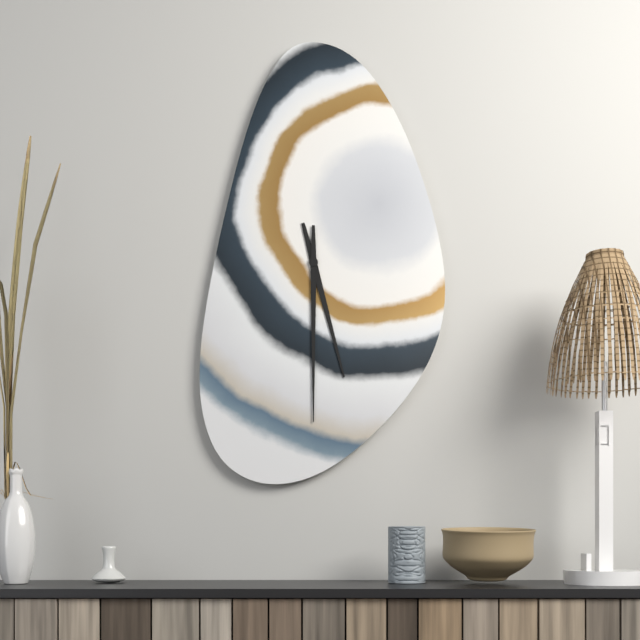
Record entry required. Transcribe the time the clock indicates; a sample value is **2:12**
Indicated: **5:30**
